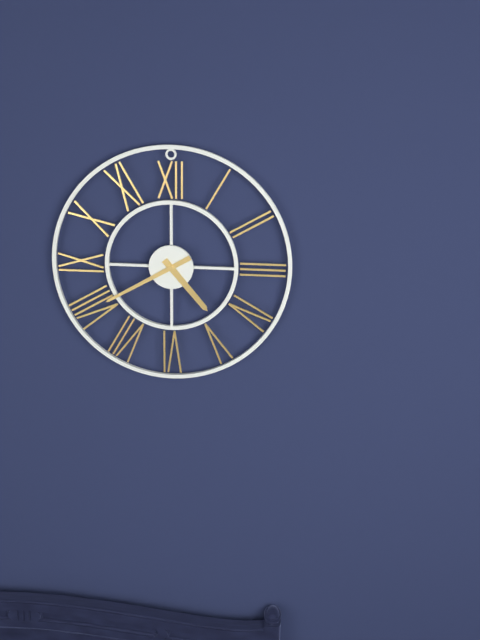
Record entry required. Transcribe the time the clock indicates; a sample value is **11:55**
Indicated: **4:40**
